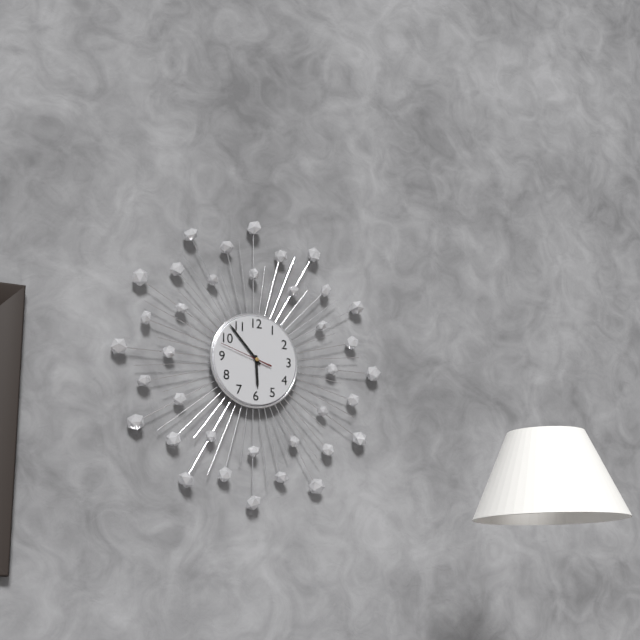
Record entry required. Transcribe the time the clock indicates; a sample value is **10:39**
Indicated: **5:53**
